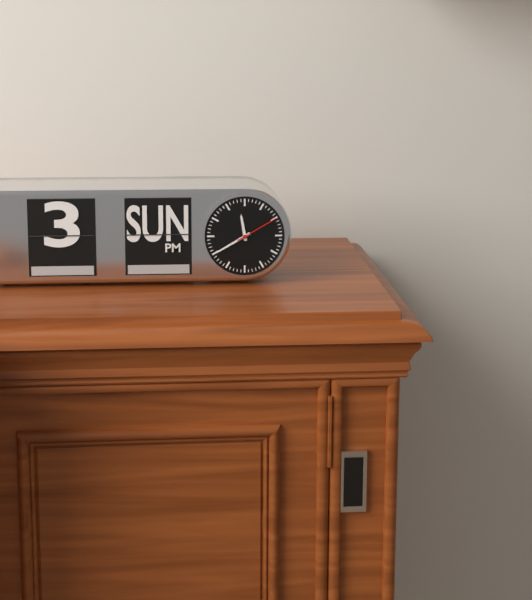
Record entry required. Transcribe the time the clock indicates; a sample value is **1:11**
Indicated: **11:40**
